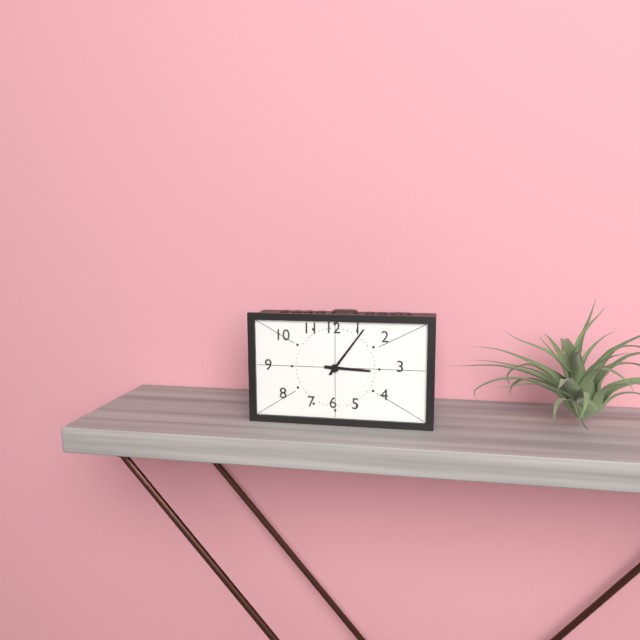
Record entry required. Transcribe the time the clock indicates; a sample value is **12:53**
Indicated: **3:06**
